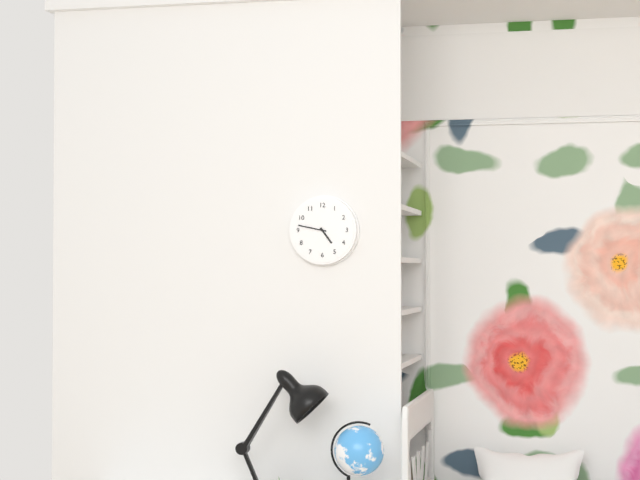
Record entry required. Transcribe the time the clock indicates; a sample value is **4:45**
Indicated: **4:47**
